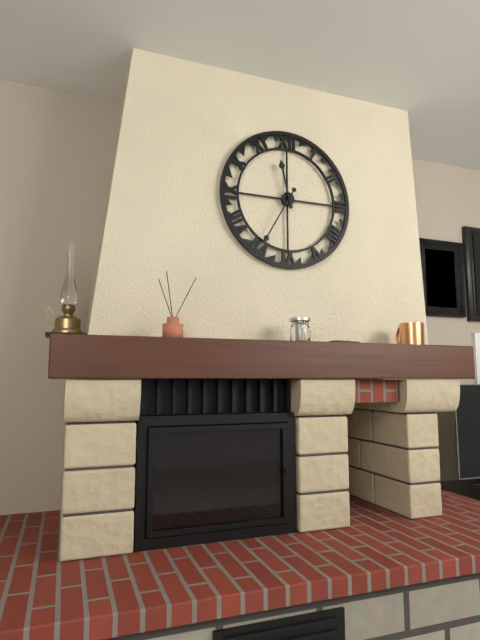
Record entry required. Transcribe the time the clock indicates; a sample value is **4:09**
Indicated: **11:35**
